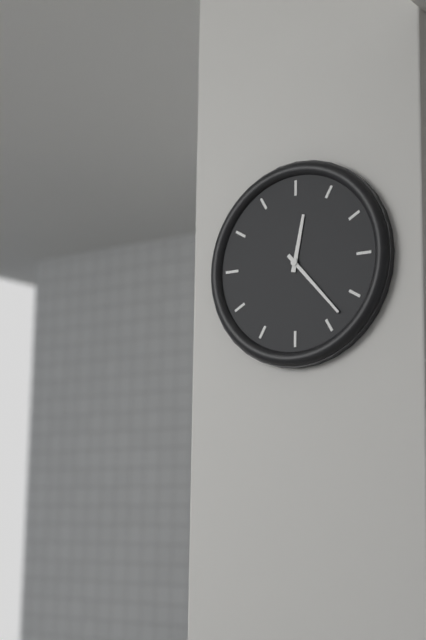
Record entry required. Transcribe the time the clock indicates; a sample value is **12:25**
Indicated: **12:23**
